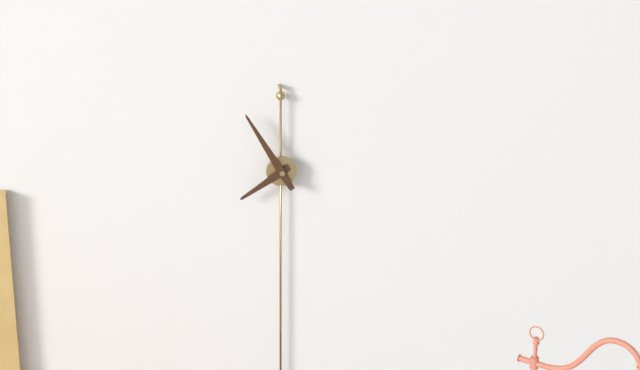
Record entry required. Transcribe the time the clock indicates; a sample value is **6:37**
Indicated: **7:55**
